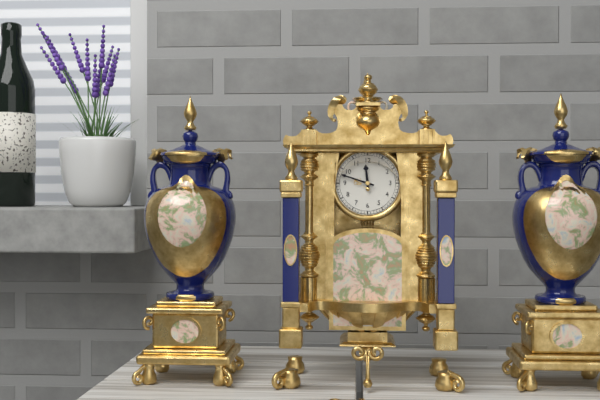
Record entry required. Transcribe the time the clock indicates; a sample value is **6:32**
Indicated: **11:48**
